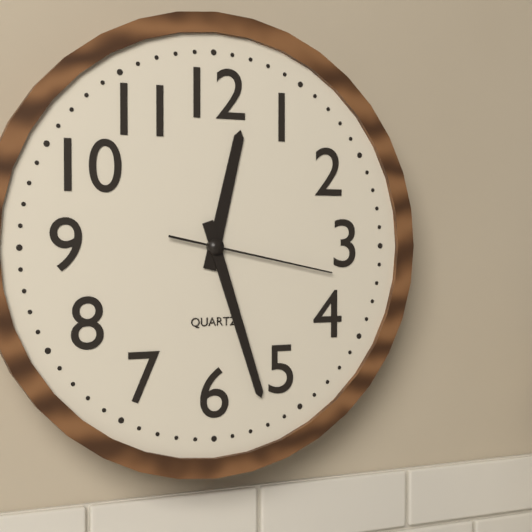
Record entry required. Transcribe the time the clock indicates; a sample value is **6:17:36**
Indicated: **12:27:17**
